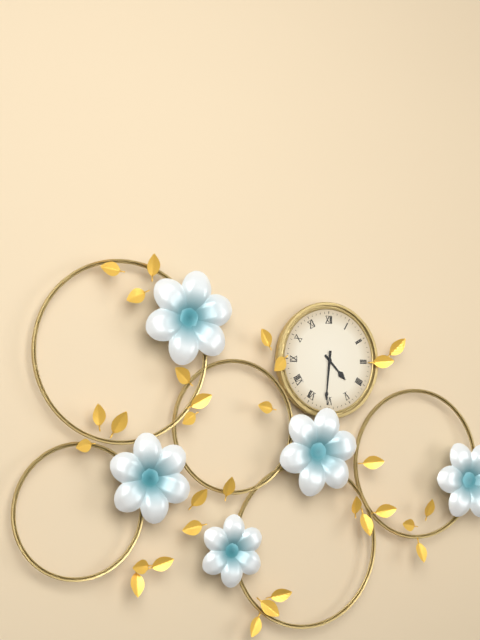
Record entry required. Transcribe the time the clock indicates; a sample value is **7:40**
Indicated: **4:31**
